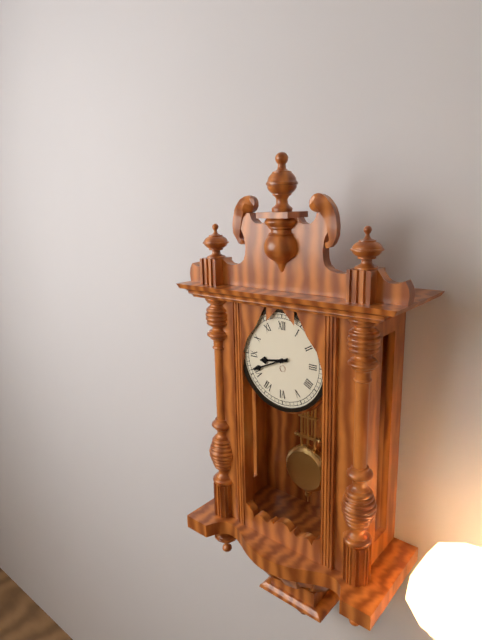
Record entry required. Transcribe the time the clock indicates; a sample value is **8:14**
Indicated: **8:41**
